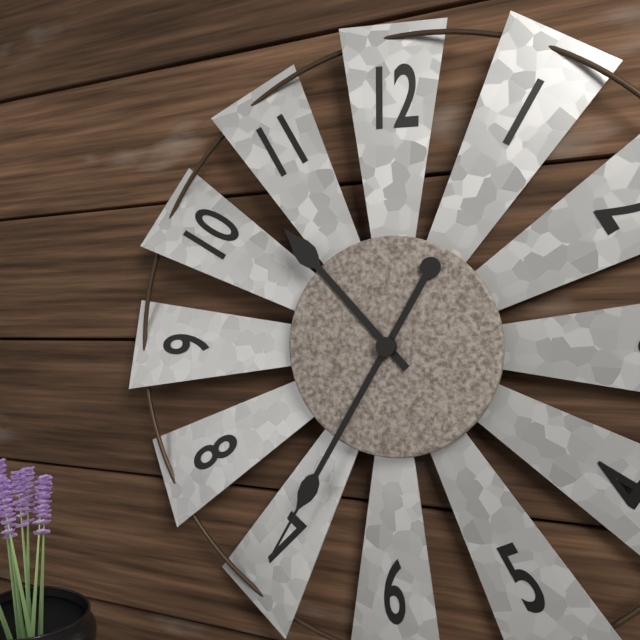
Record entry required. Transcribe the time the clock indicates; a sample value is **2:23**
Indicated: **10:35**
